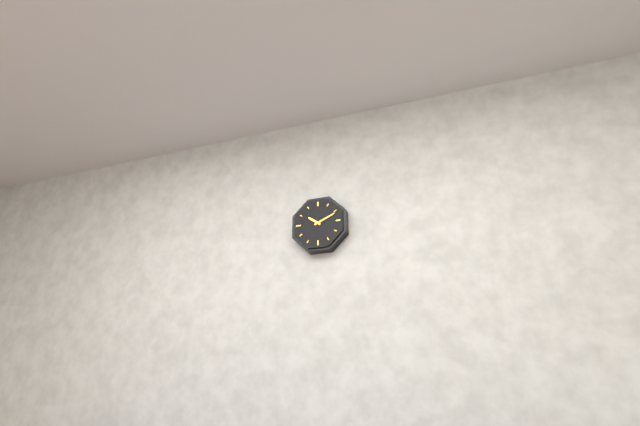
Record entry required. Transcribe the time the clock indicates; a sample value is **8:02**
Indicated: **10:11**
